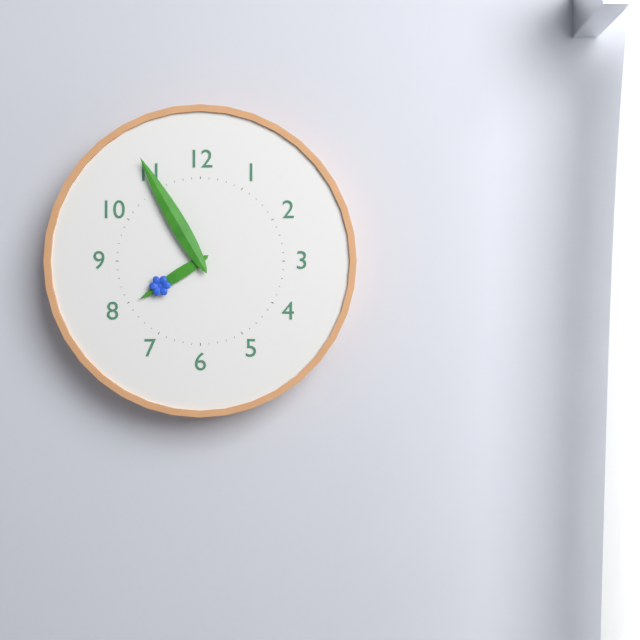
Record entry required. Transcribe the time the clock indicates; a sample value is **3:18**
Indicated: **7:55**
